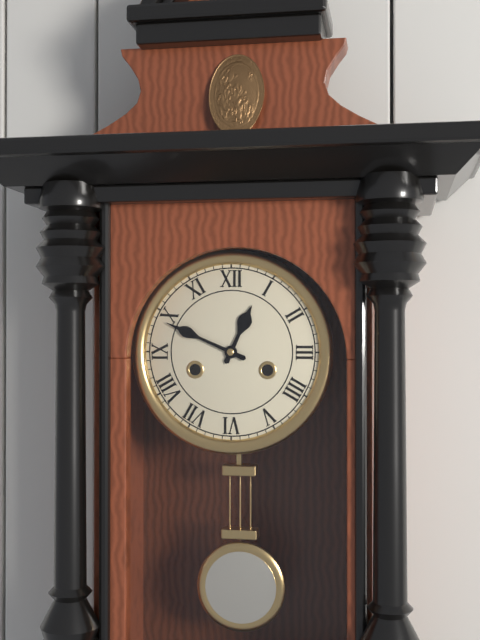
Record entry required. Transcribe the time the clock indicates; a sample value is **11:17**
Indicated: **12:49**
